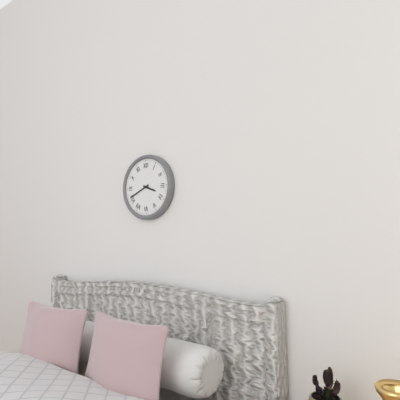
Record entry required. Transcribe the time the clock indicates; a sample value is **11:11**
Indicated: **3:41**
